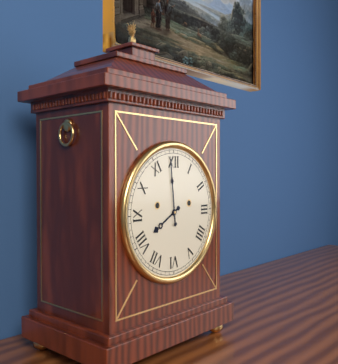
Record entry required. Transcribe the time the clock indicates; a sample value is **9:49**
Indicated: **7:59**
